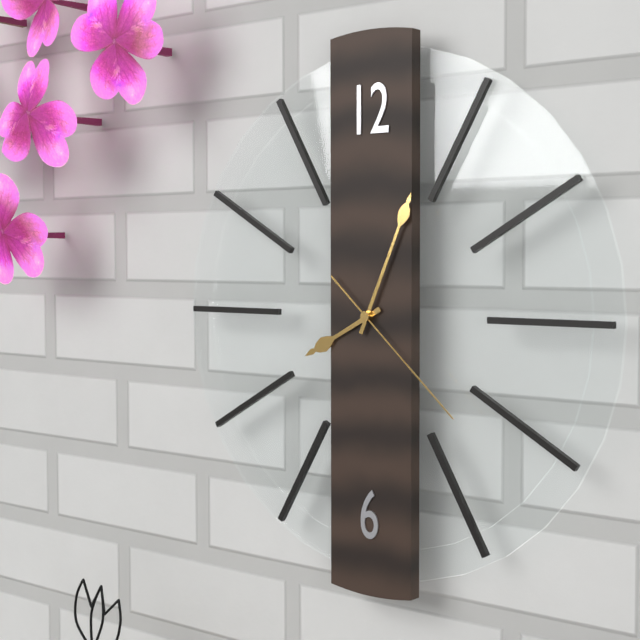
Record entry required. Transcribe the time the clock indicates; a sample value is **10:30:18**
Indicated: **8:04:22**
